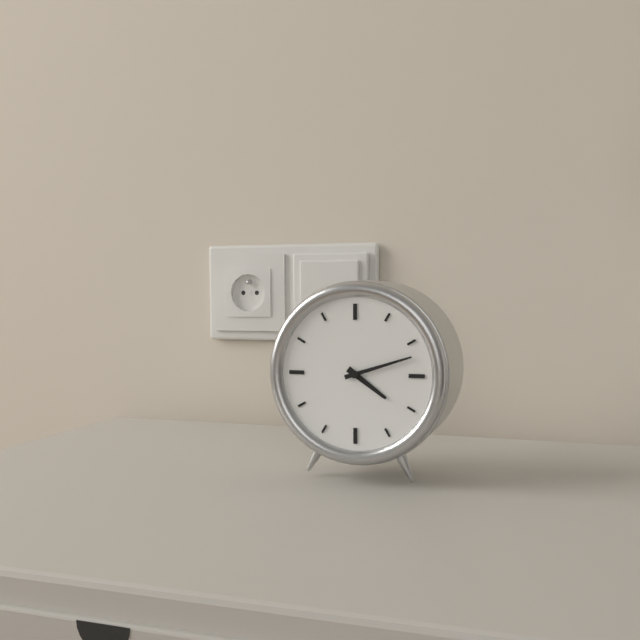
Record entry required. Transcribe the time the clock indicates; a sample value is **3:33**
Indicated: **4:12**
